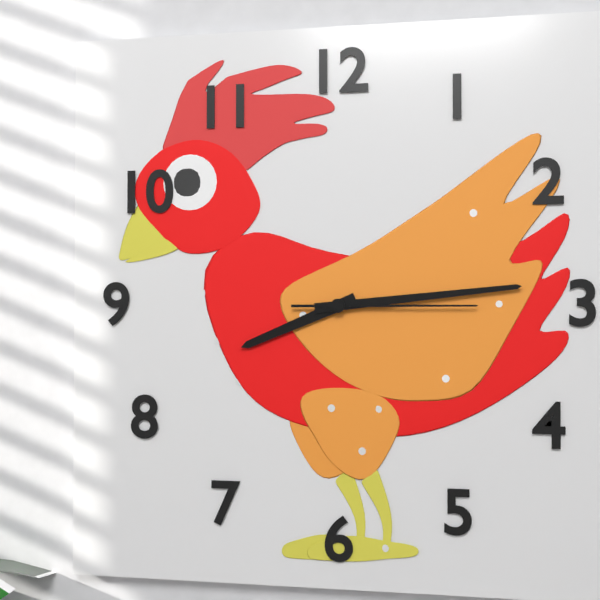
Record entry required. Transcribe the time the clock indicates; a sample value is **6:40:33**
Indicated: **8:14:15**
